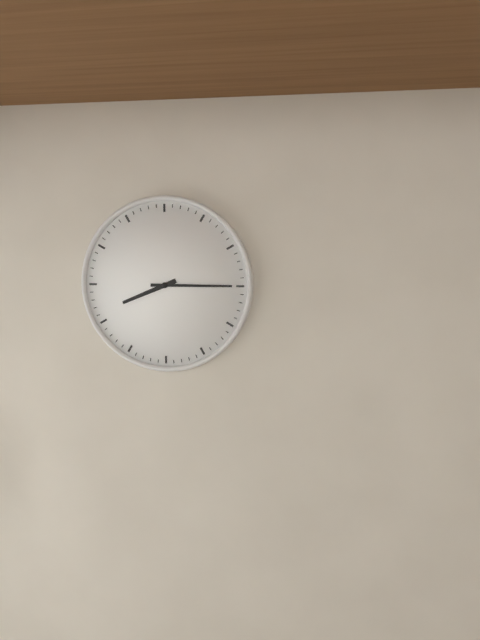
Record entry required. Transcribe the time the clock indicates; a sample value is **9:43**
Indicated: **8:15**
